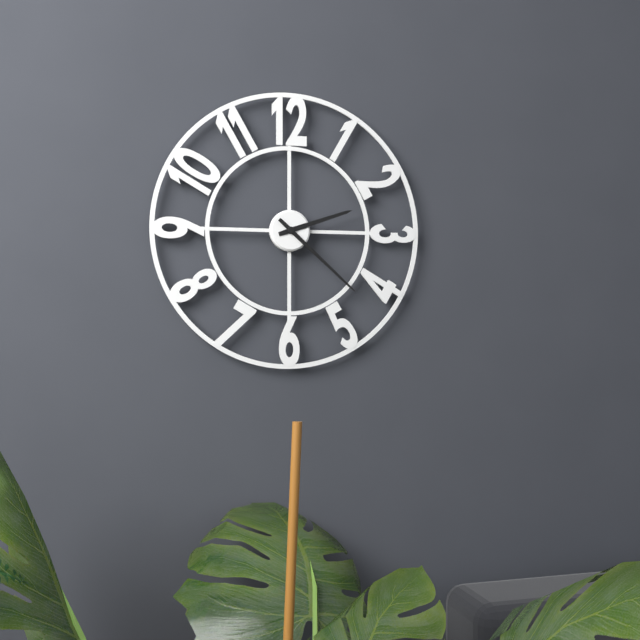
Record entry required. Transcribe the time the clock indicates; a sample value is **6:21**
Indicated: **2:22**
